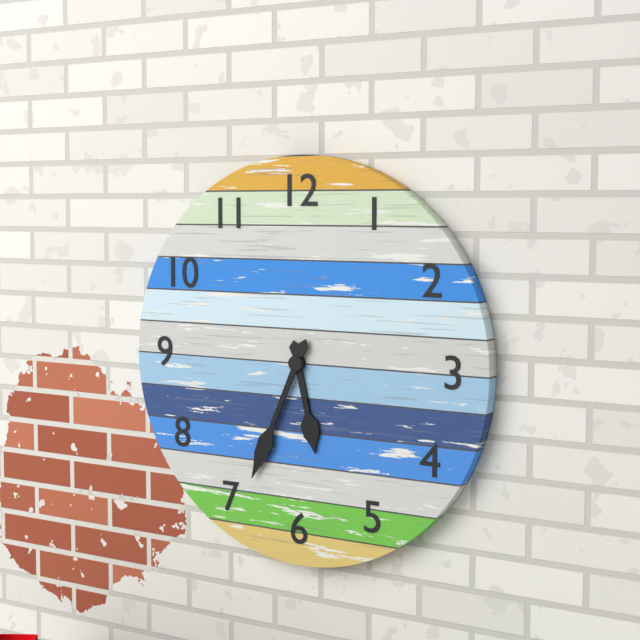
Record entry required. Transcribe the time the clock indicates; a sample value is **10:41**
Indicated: **5:34**
